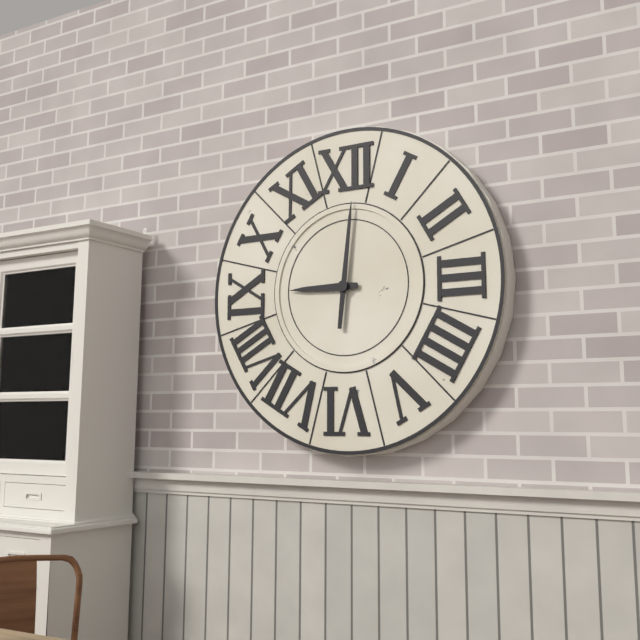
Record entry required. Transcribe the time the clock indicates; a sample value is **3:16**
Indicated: **9:01**
